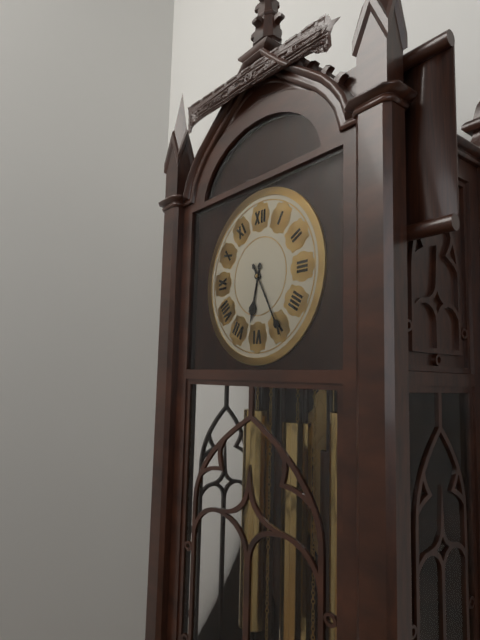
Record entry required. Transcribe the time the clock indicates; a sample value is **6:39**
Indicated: **6:25**
